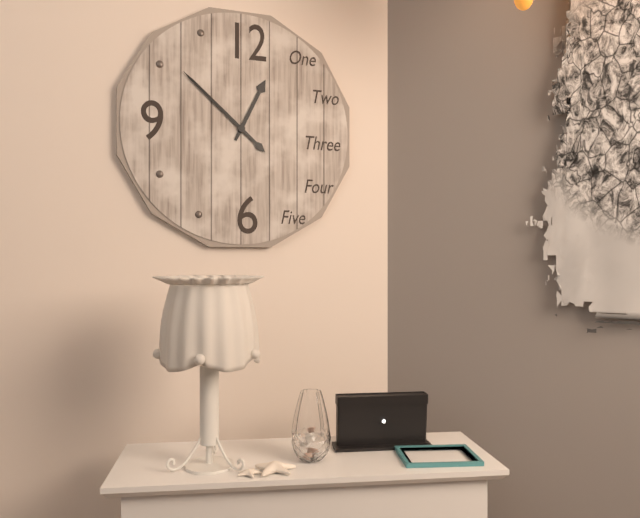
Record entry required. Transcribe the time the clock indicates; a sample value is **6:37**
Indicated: **12:52**
